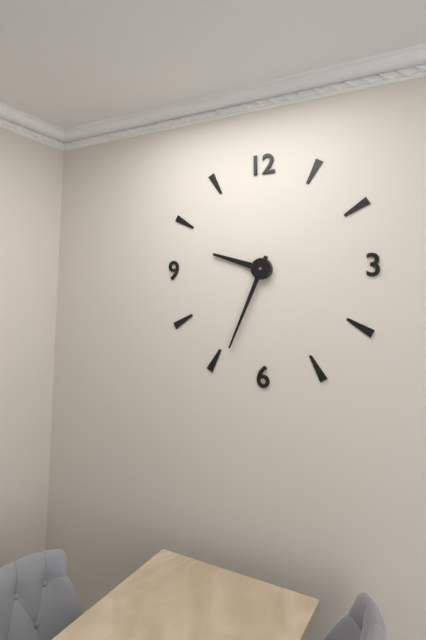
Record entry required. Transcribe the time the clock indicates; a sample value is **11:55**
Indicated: **9:34**
